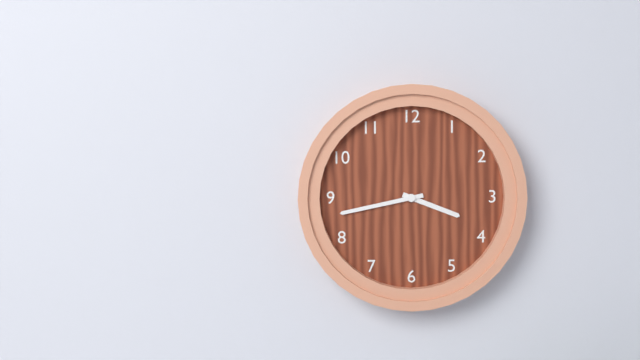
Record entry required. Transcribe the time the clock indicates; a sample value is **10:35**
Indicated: **3:43**
